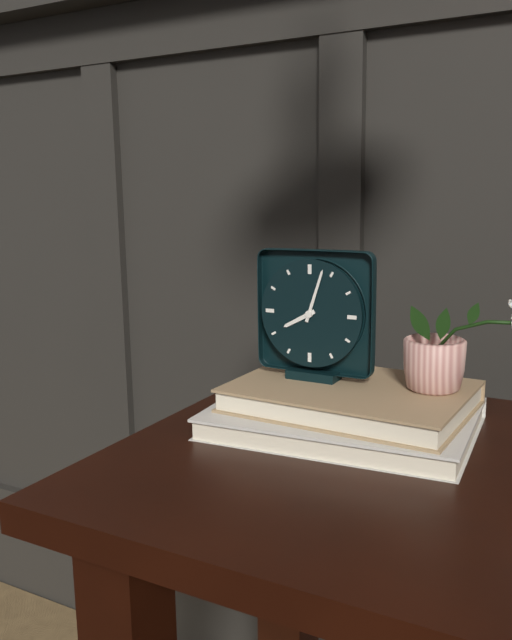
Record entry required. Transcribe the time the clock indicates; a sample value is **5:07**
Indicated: **8:03**
